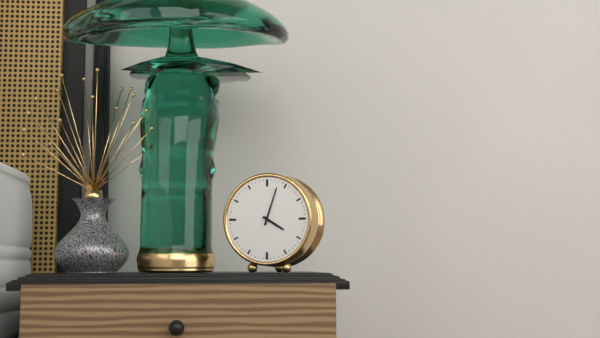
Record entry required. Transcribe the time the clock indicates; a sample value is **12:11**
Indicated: **4:03**
